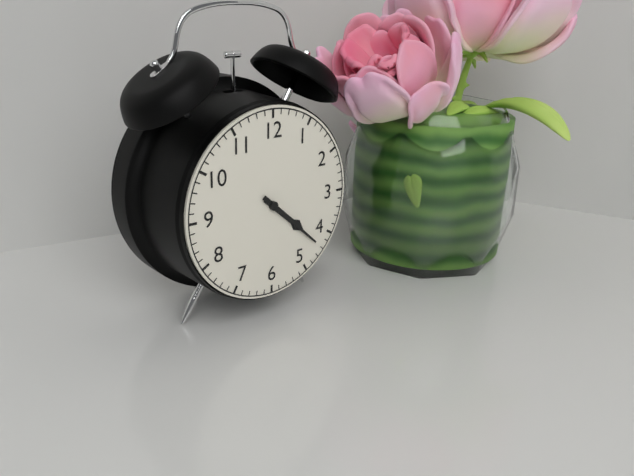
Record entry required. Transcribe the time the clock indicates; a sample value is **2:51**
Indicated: **4:22**
